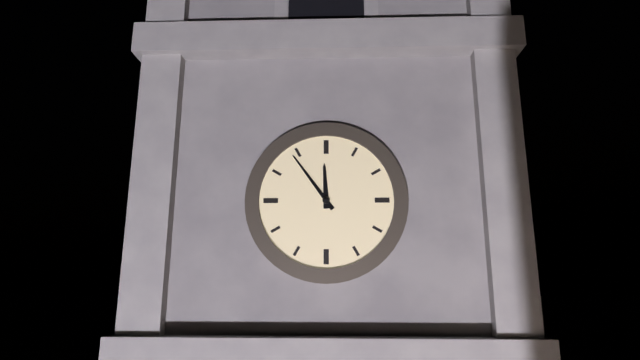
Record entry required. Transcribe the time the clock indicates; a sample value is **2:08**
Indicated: **11:54**
